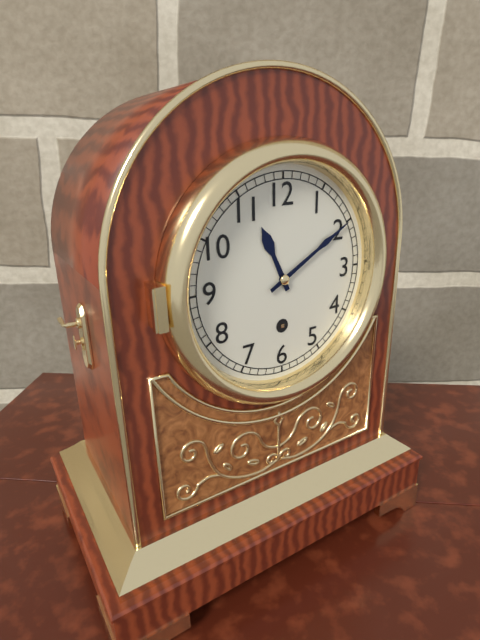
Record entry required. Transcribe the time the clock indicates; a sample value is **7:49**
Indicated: **11:10**
